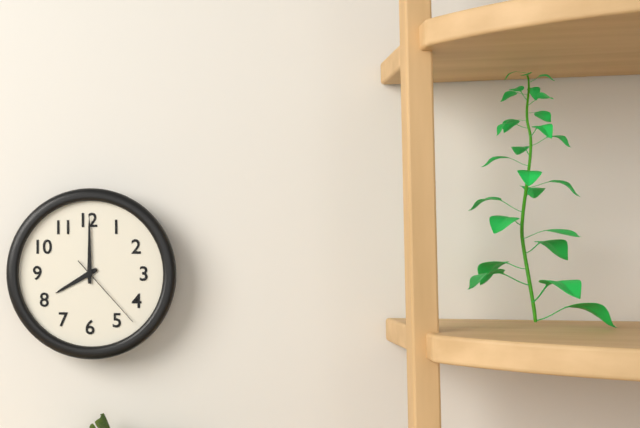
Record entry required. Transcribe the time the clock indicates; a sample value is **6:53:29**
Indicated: **8:00:23**
